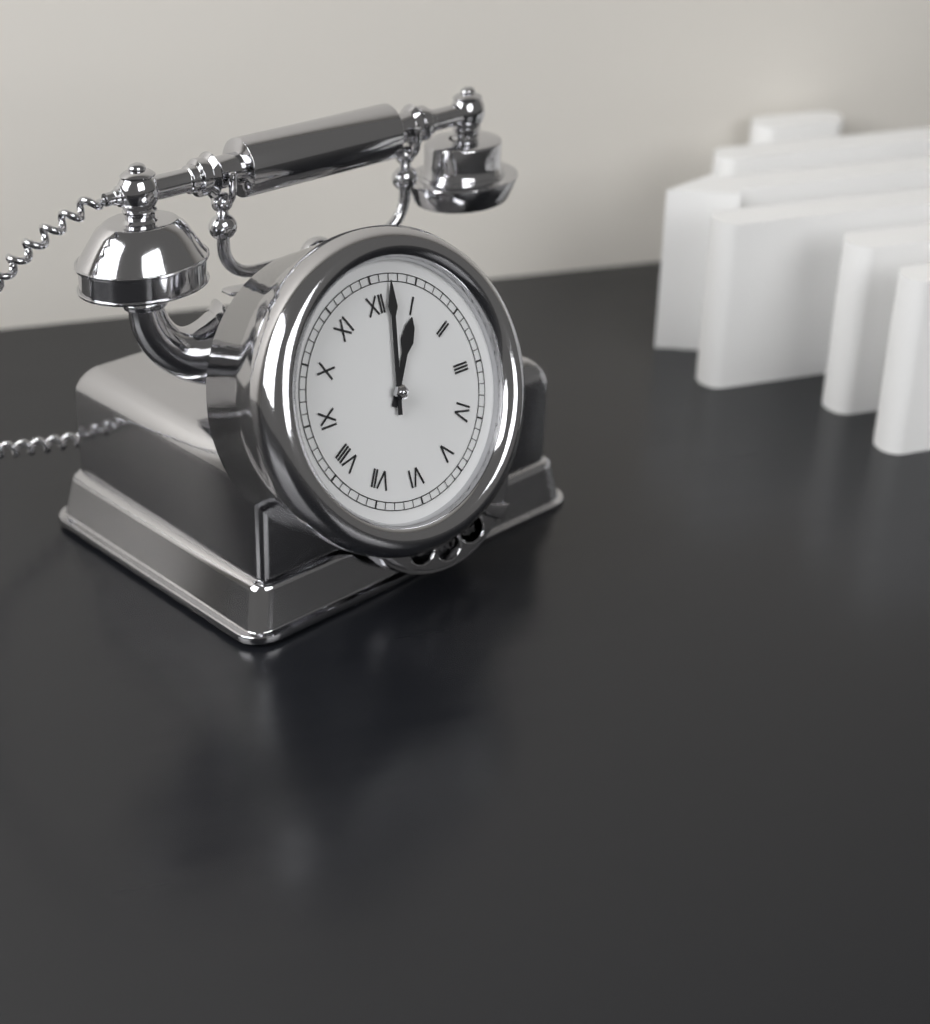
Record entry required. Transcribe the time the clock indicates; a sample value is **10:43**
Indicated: **1:02**
